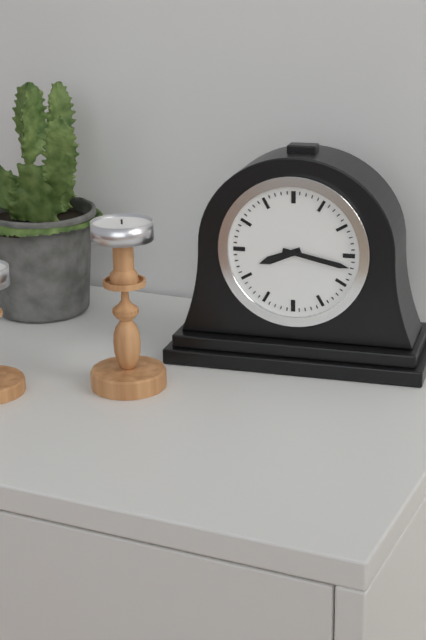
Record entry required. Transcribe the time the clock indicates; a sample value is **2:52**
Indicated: **8:17**
